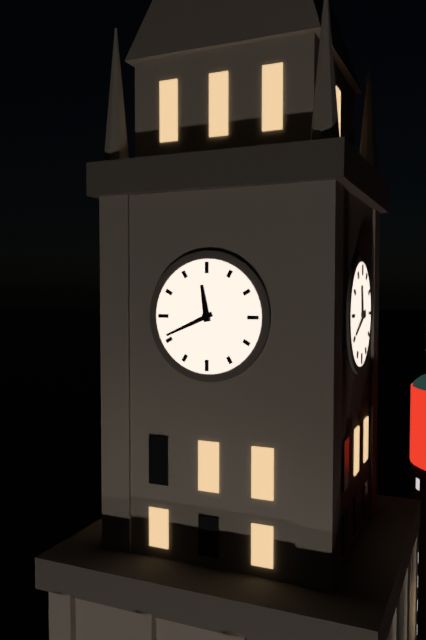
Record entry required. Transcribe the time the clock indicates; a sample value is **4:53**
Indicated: **11:41**
